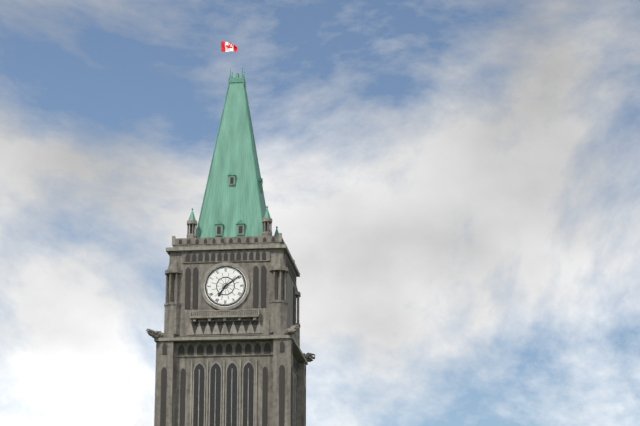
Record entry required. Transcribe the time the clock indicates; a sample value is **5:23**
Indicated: **7:09**
